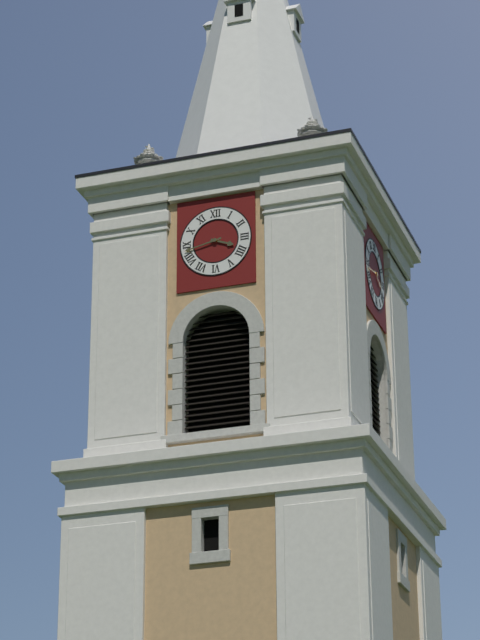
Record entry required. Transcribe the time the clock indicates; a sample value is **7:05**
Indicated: **3:43**
